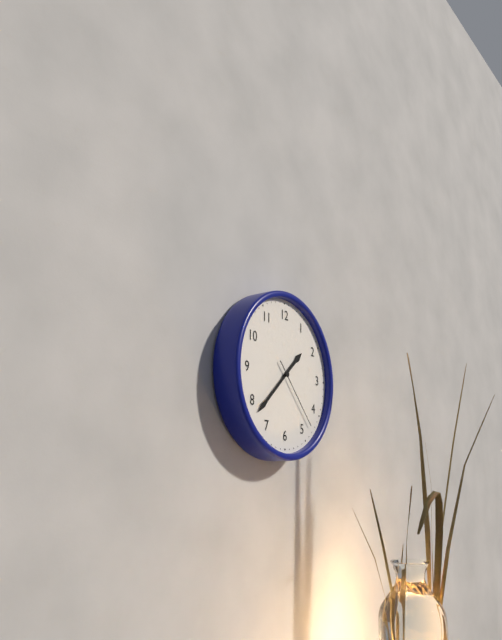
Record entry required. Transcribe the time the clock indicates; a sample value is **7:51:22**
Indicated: **1:38:23**
